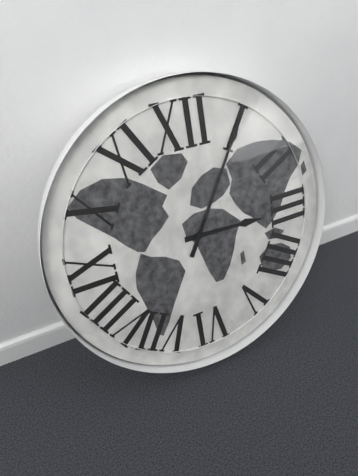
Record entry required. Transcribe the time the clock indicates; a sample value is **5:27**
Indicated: **3:05**
